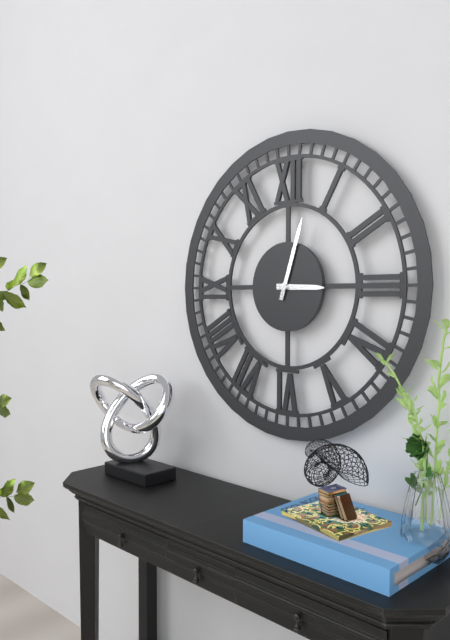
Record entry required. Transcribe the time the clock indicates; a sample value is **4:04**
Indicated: **3:03**
